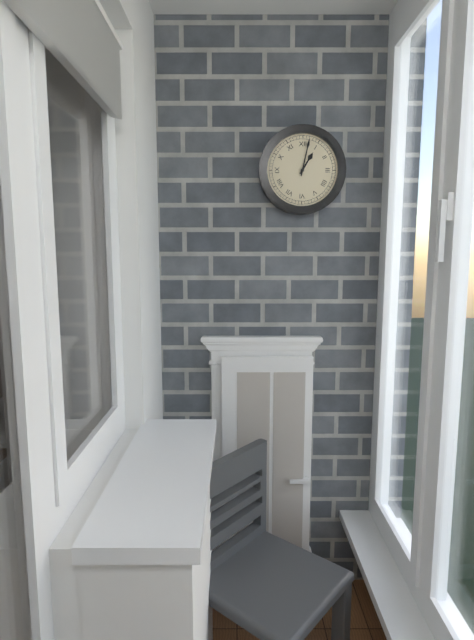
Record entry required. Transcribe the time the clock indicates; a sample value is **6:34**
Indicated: **1:02**
